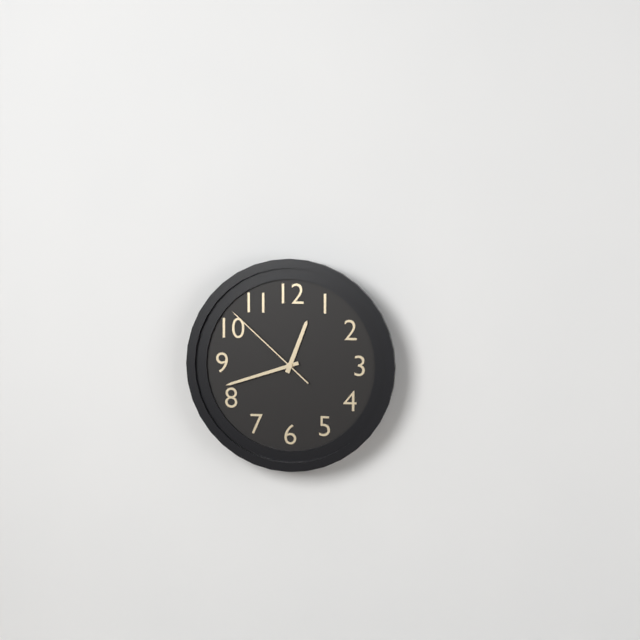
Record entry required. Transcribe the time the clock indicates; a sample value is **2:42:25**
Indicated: **12:42:52**
